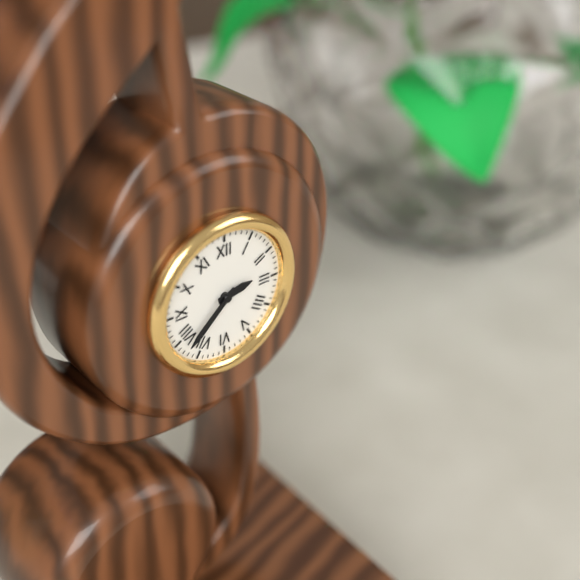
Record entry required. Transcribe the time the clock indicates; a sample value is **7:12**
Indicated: **2:38**
